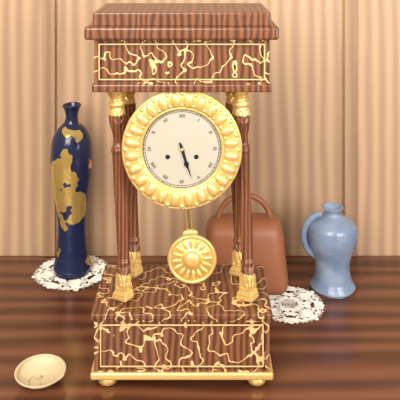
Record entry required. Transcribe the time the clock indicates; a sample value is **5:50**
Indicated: **5:27**
